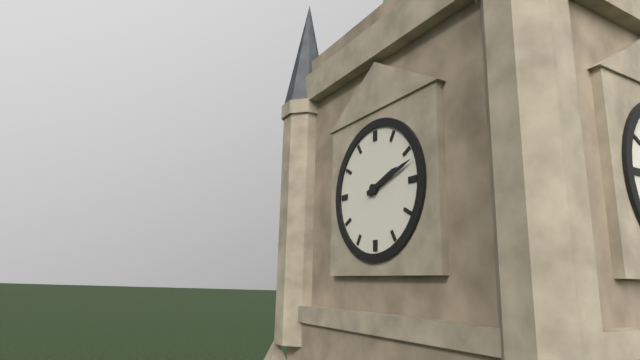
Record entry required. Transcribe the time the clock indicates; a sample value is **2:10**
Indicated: **2:12**
